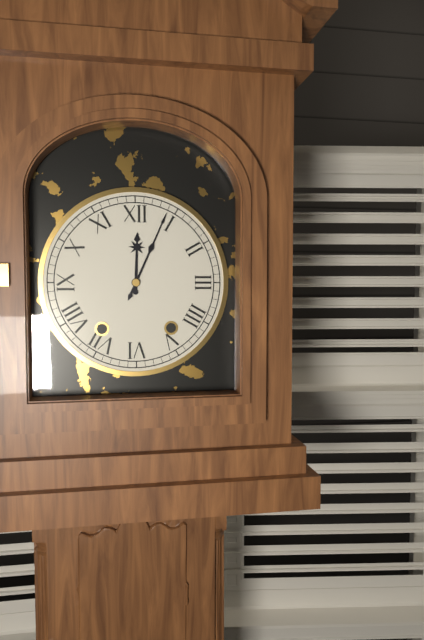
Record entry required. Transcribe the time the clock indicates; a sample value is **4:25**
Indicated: **12:04**
